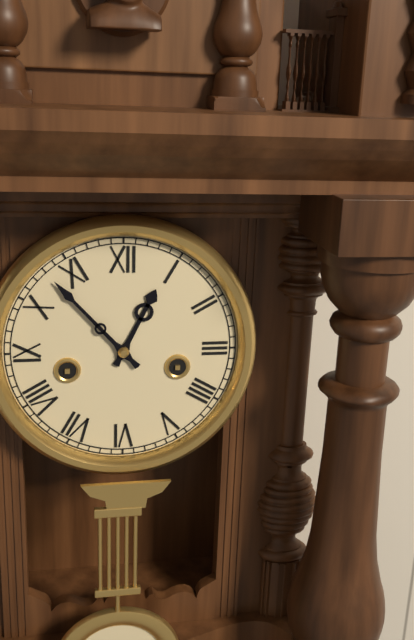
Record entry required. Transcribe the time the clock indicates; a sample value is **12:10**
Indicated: **12:53**
